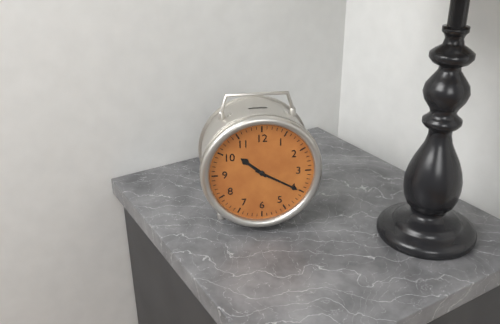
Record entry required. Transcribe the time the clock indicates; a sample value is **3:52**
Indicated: **10:20**
